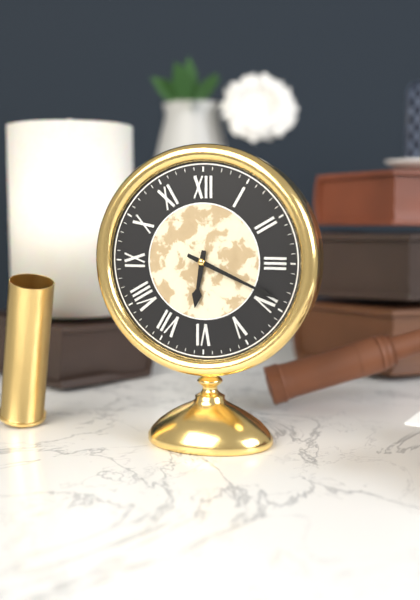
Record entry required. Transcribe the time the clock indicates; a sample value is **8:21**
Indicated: **6:19**
